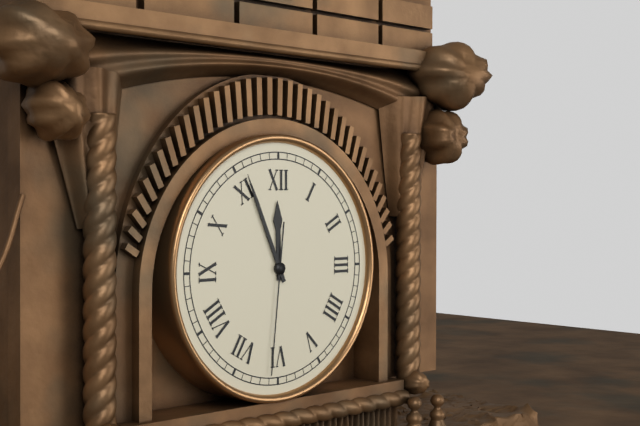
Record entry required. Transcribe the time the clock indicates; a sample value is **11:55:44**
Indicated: **11:56:31**
